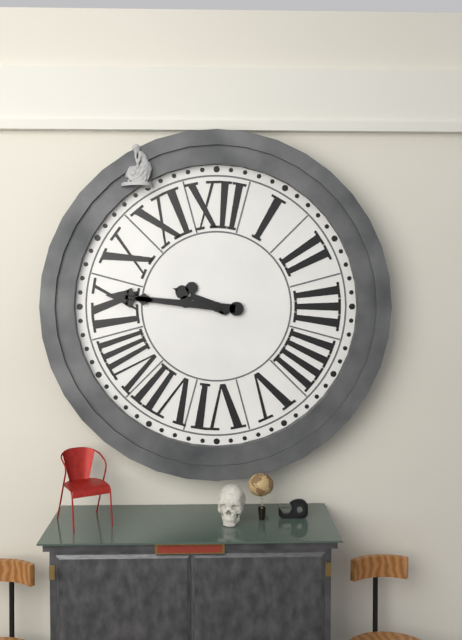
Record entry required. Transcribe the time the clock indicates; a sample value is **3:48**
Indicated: **9:46**
